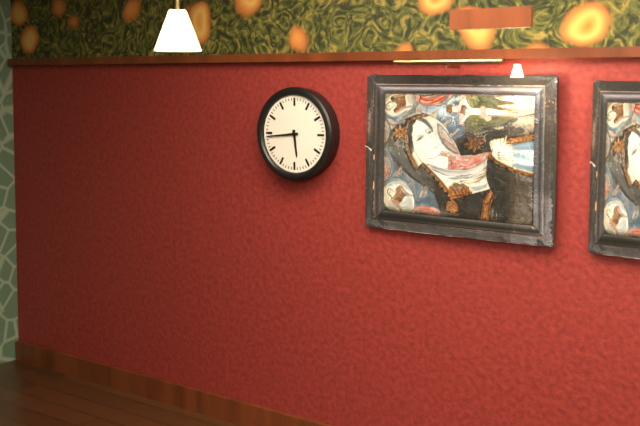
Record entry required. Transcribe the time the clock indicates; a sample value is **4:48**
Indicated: **5:44**
